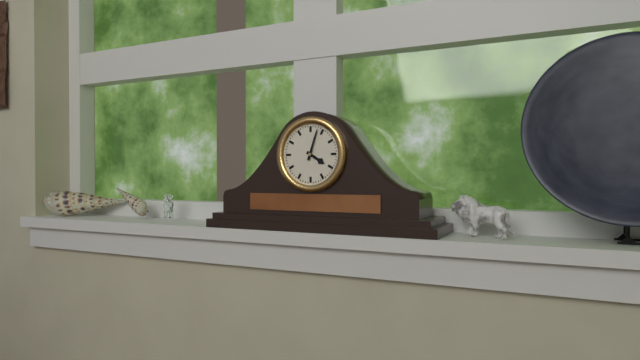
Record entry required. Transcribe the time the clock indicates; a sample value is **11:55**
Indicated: **4:03**
